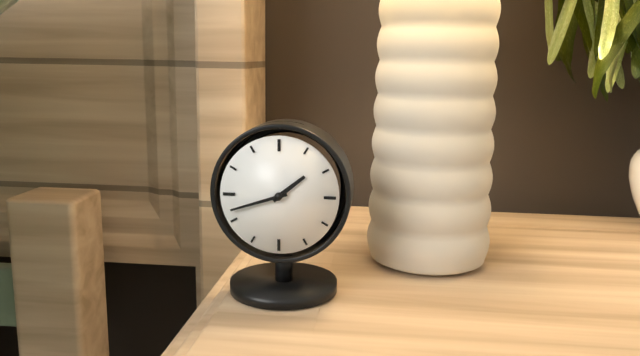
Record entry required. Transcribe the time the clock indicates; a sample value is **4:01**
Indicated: **1:42**
